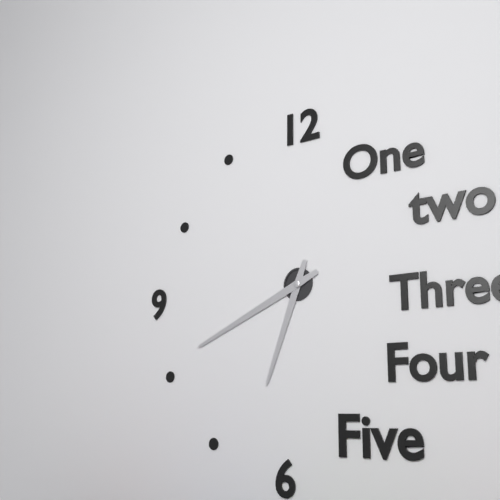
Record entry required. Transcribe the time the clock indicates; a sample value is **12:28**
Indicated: **6:41**
